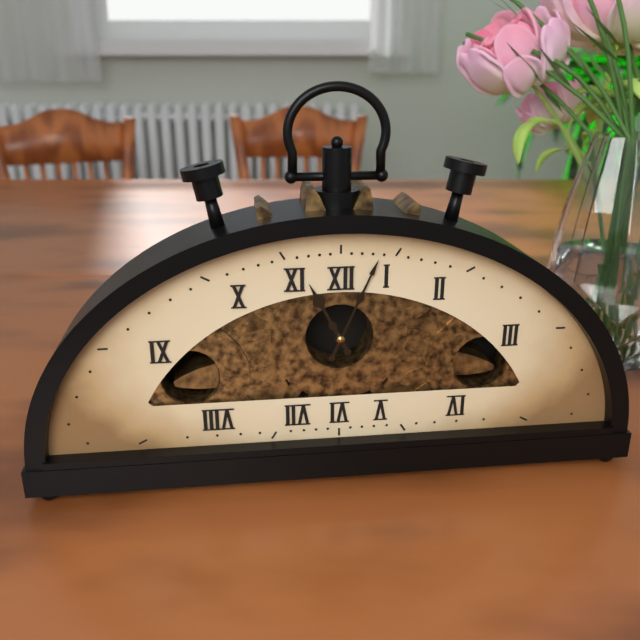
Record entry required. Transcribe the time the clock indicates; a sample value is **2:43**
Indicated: **11:04**
